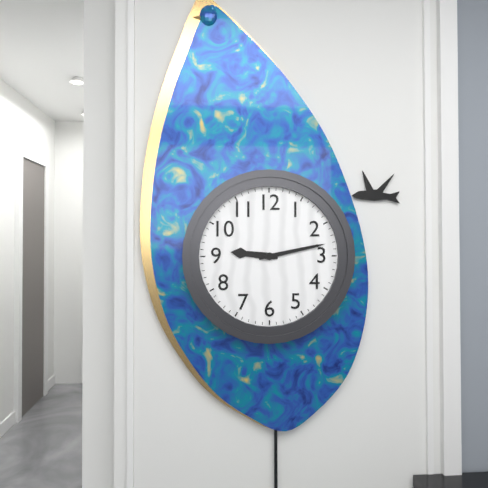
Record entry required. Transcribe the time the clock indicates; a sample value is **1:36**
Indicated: **9:13**
